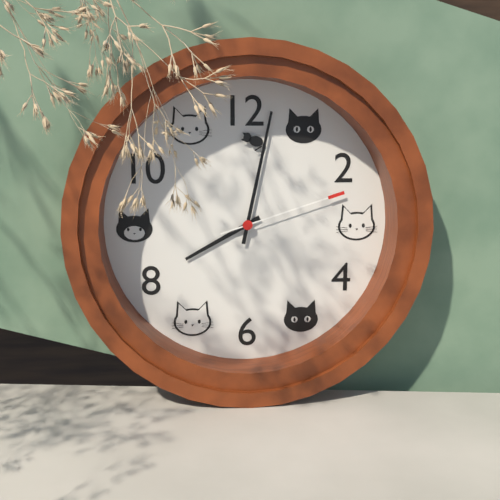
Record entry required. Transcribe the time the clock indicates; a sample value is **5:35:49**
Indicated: **8:02:12**
